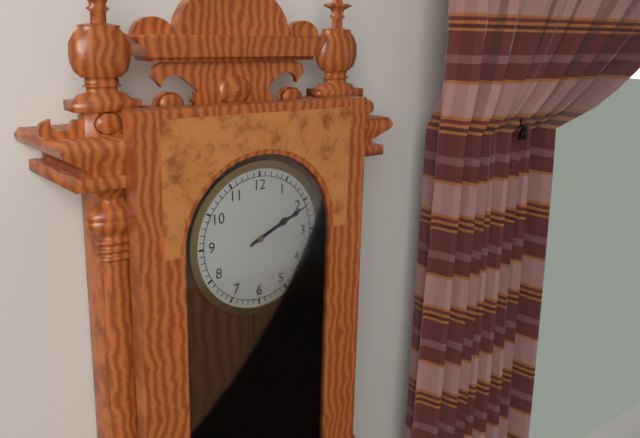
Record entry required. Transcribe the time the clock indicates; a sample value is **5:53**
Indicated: **2:11**
